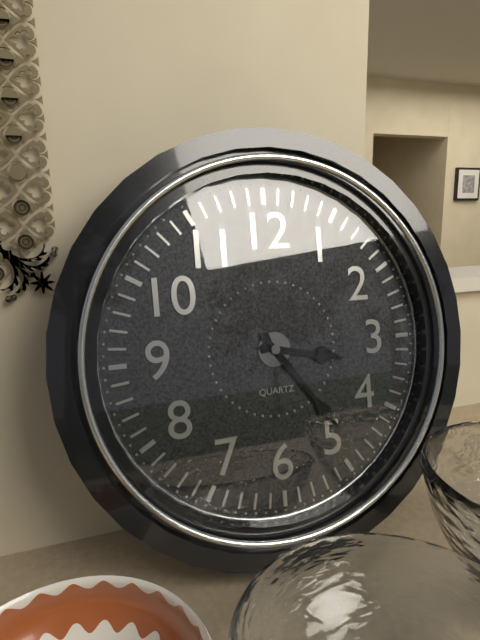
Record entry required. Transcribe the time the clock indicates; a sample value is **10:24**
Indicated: **3:24**
